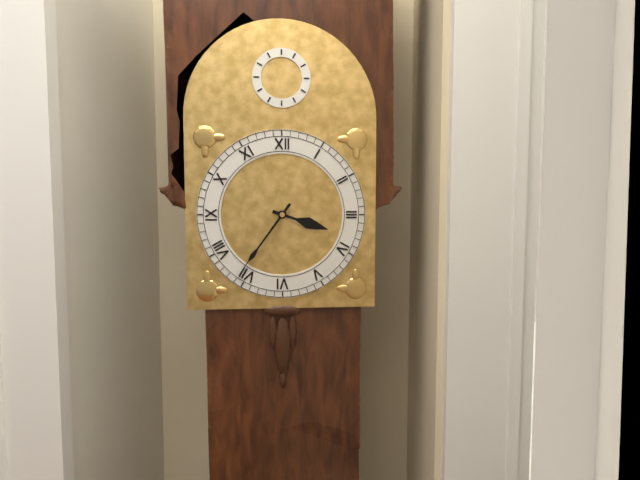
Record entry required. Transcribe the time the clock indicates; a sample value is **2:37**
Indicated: **3:36**
